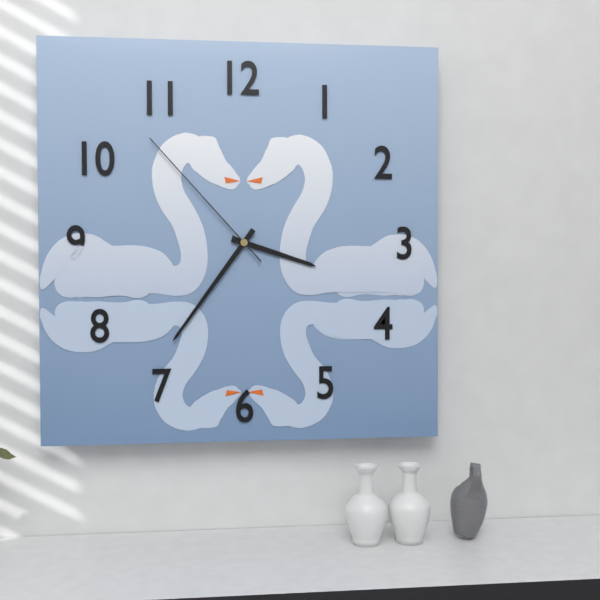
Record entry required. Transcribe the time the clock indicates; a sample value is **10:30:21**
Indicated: **3:36:53**
